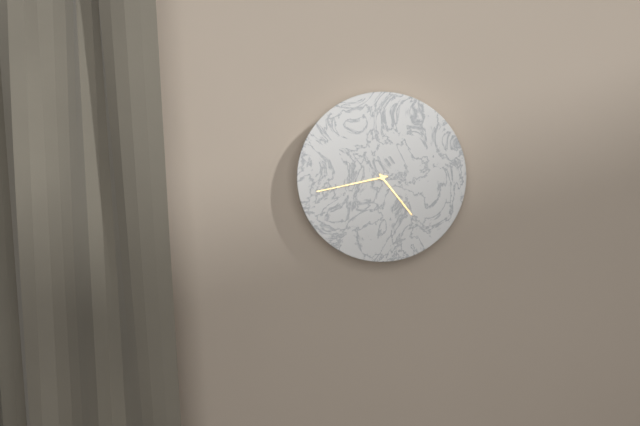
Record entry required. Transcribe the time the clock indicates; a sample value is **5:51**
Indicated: **4:43**
